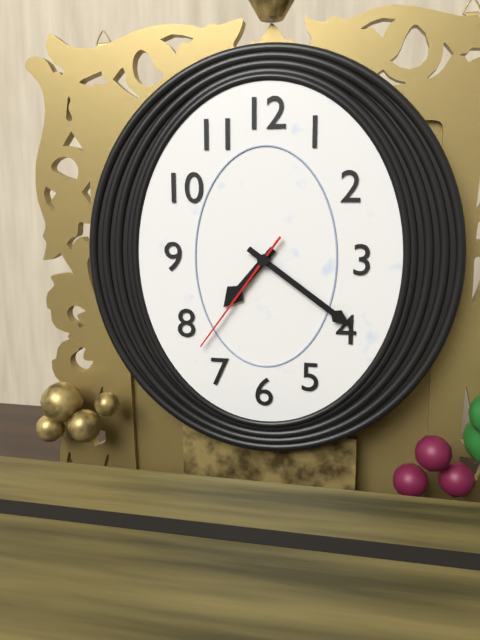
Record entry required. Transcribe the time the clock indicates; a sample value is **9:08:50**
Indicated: **7:21:36**
